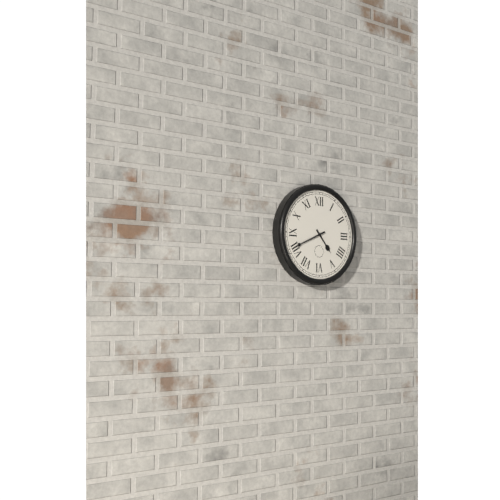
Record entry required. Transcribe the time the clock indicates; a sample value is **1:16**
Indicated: **4:41**
